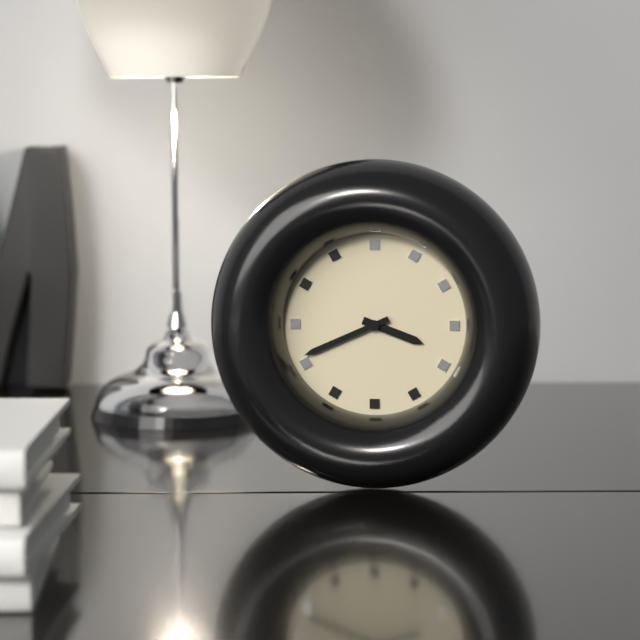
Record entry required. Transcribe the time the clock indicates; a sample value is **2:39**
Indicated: **3:41**
